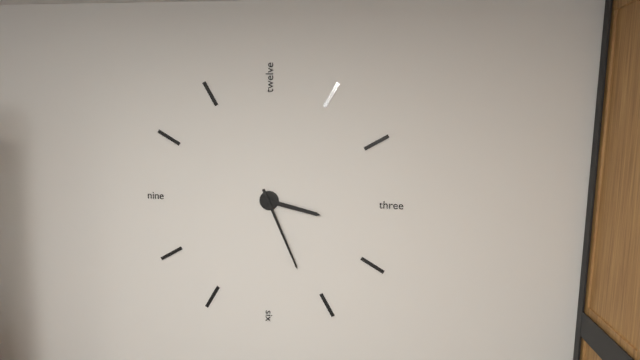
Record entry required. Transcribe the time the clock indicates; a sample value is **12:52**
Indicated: **3:26**
